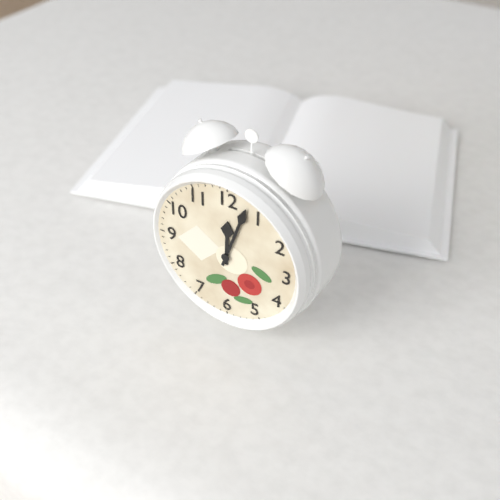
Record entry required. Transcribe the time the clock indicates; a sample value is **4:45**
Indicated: **12:03**
